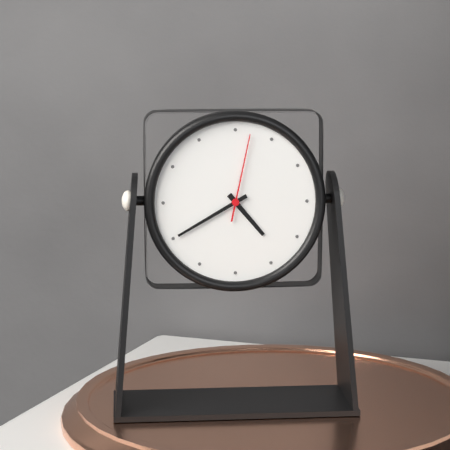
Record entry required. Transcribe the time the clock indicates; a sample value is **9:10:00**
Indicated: **4:40:02**
